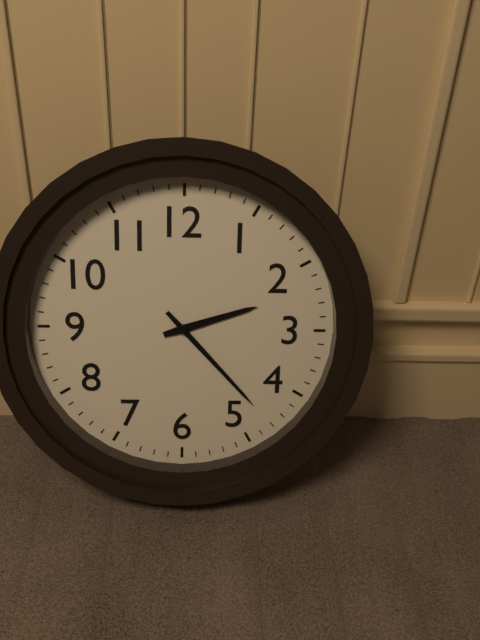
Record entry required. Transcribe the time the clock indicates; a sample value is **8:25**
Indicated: **2:23**
